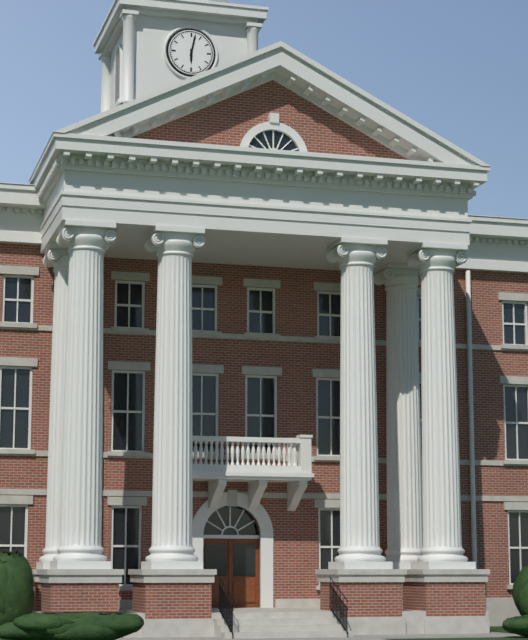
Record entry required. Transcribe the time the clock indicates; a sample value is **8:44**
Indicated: **6:02**
